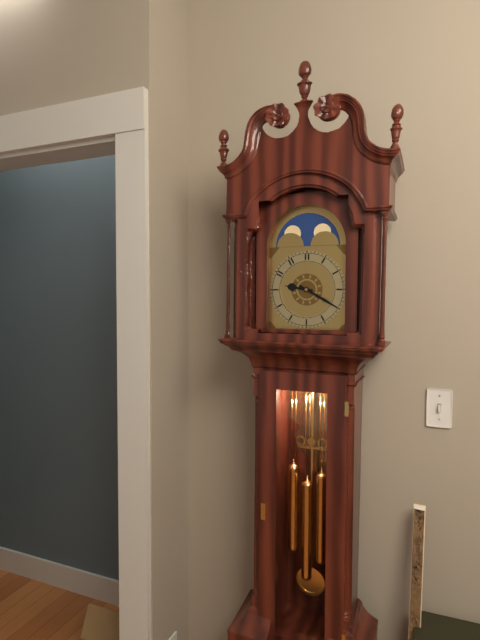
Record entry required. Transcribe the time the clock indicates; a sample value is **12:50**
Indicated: **9:20**
